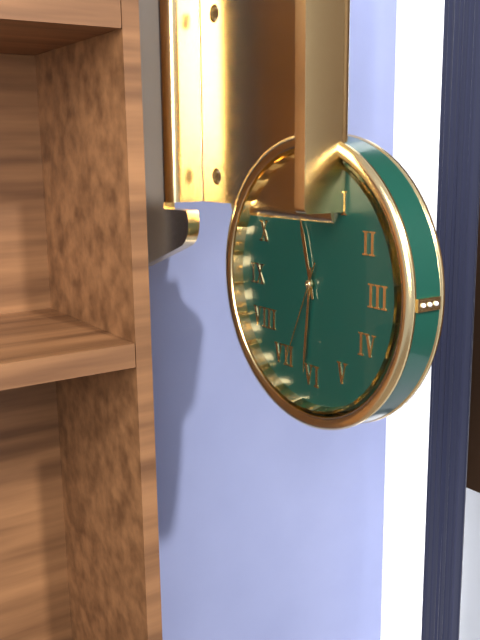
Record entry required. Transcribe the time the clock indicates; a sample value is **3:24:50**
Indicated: **11:31:34**
